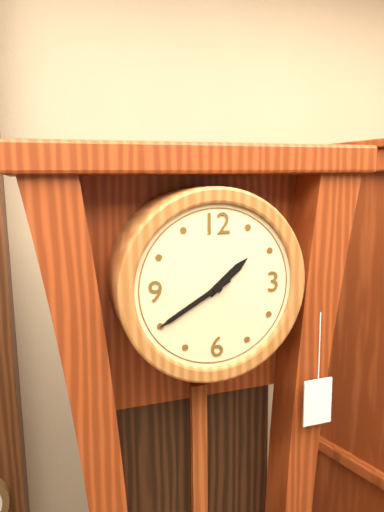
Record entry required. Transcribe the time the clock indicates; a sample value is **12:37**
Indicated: **1:40**
